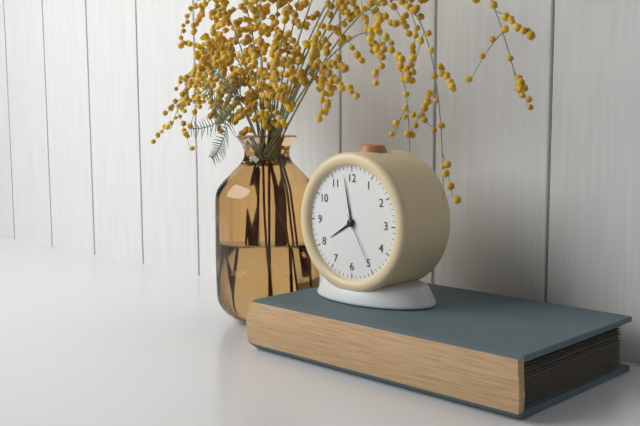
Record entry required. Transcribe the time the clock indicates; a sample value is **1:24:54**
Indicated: **7:58:25**
